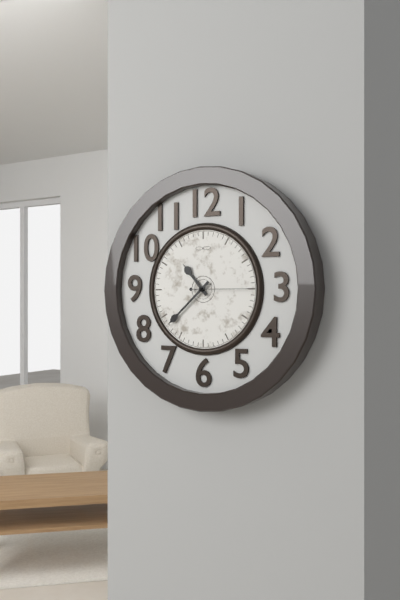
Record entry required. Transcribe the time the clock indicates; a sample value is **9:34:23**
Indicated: **10:38:15**
